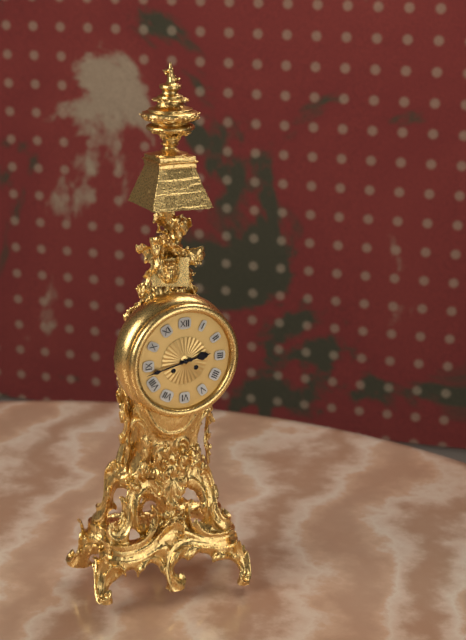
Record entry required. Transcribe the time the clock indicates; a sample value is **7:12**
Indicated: **2:43**
